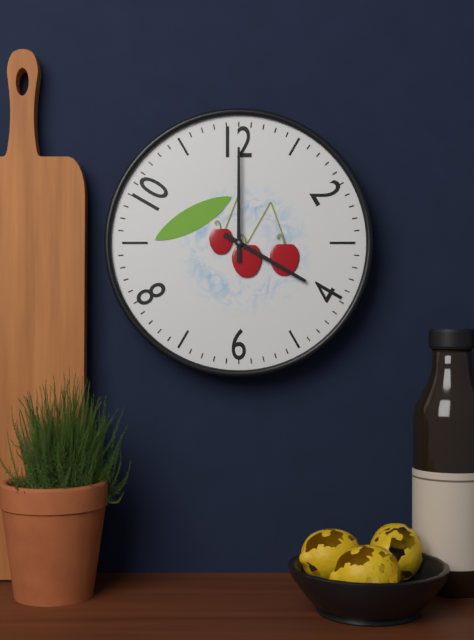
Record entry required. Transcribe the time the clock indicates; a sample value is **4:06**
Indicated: **4:00**
